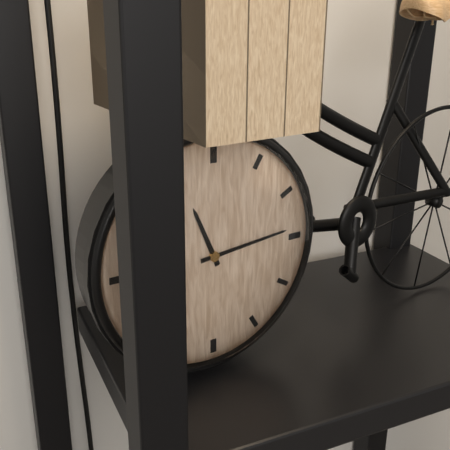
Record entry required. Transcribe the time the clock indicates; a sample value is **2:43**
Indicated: **11:14**
